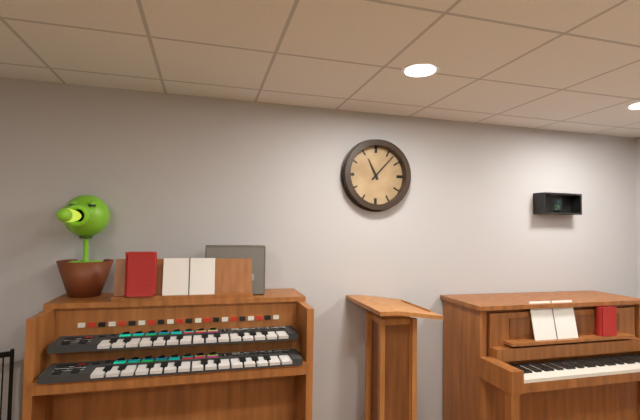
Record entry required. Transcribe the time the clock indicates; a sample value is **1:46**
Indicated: **11:07**
